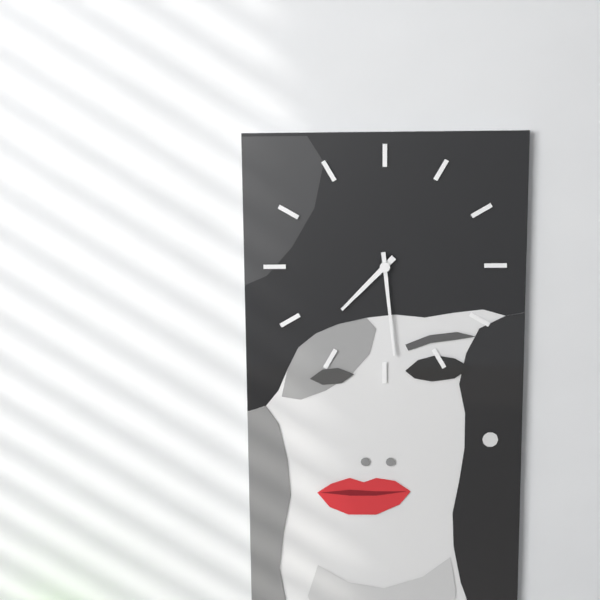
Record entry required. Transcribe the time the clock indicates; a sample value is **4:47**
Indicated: **7:29**
